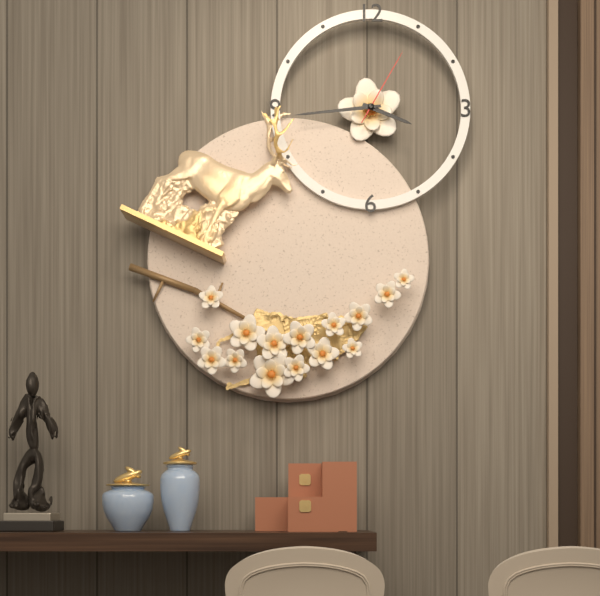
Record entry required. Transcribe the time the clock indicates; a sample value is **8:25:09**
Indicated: **3:44:05**
